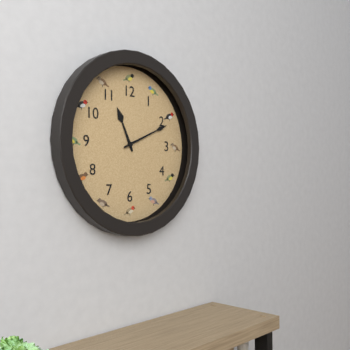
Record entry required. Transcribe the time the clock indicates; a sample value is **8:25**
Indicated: **11:11**
